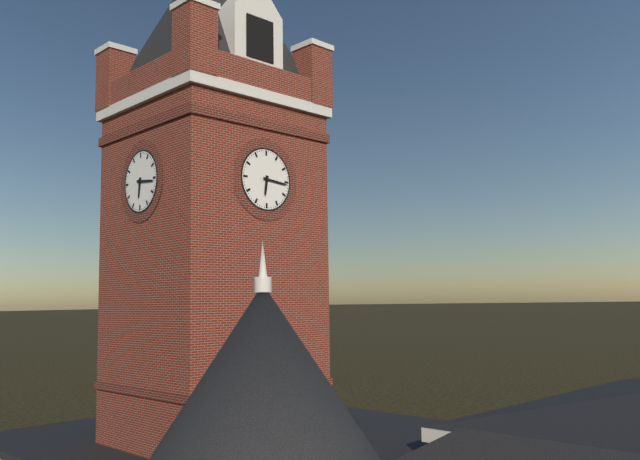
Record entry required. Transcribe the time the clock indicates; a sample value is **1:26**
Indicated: **6:16**
